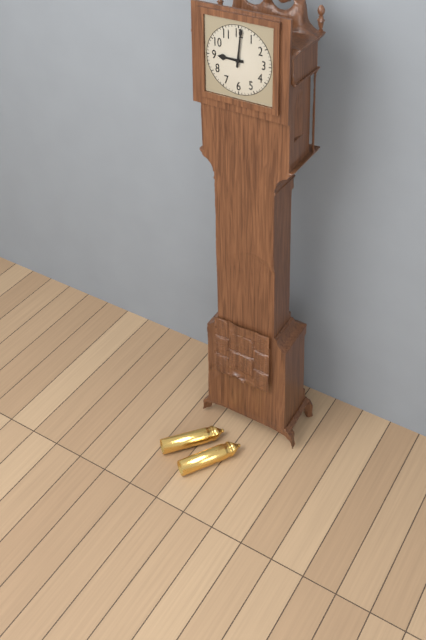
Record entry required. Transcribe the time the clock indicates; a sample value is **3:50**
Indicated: **9:01**
